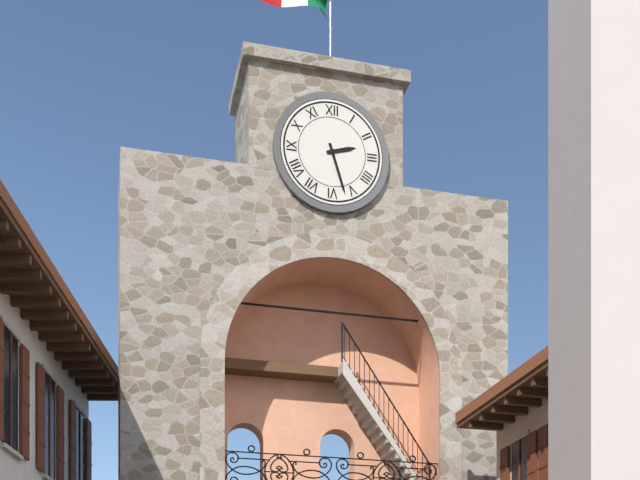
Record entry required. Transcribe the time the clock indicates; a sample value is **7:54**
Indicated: **2:27**
